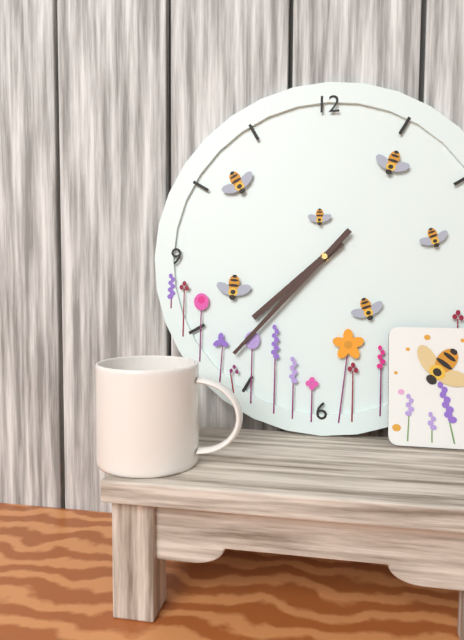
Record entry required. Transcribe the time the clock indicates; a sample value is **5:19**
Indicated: **7:37**
